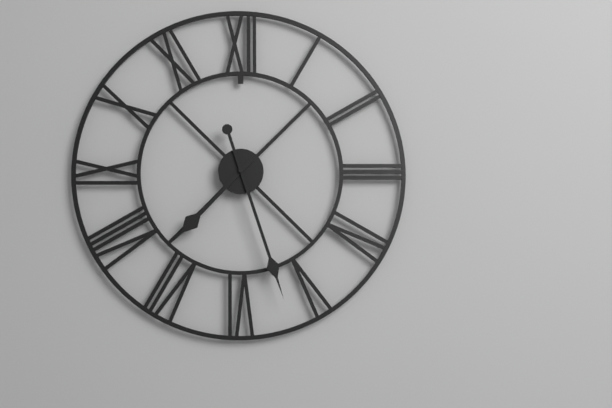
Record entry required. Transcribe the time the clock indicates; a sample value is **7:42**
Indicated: **7:27**
